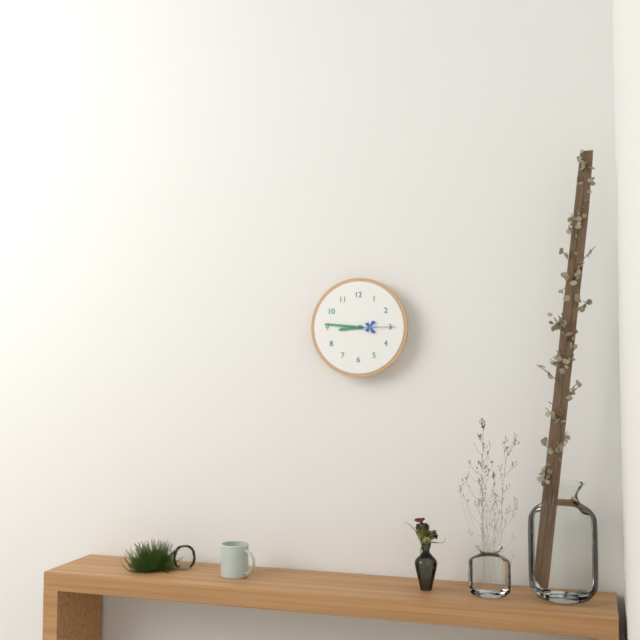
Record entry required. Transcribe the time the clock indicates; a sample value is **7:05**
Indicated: **8:46**
